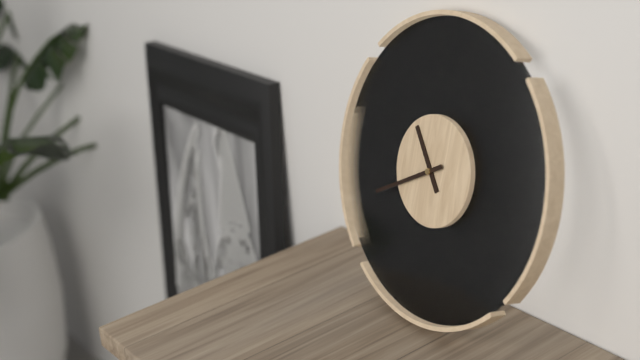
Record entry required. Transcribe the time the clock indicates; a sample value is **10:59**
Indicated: **10:40**
